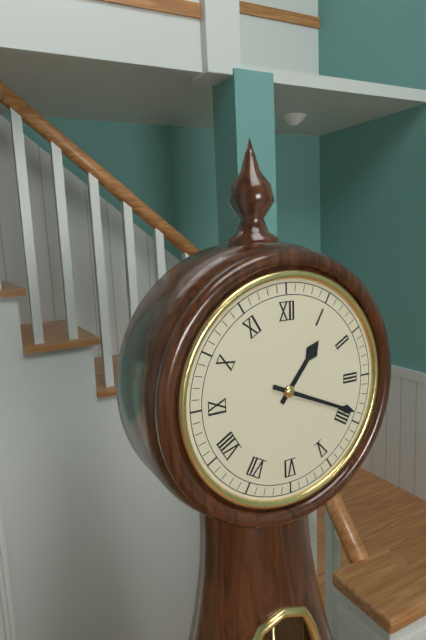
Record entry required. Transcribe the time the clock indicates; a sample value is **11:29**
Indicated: **1:19**
